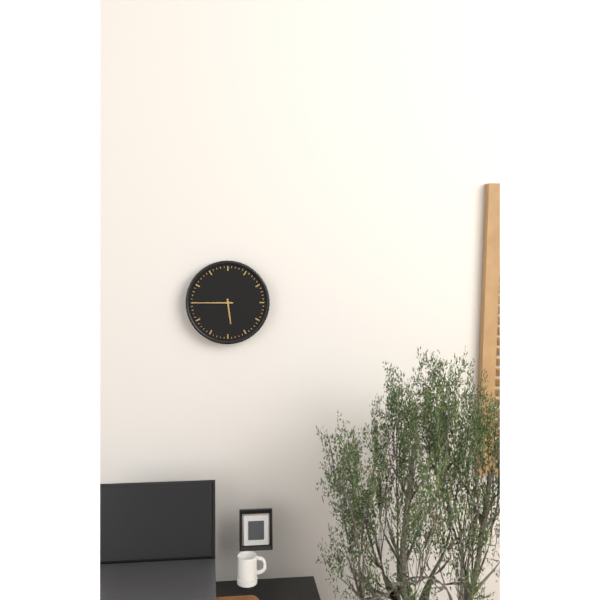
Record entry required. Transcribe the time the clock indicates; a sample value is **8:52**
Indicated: **5:45**
